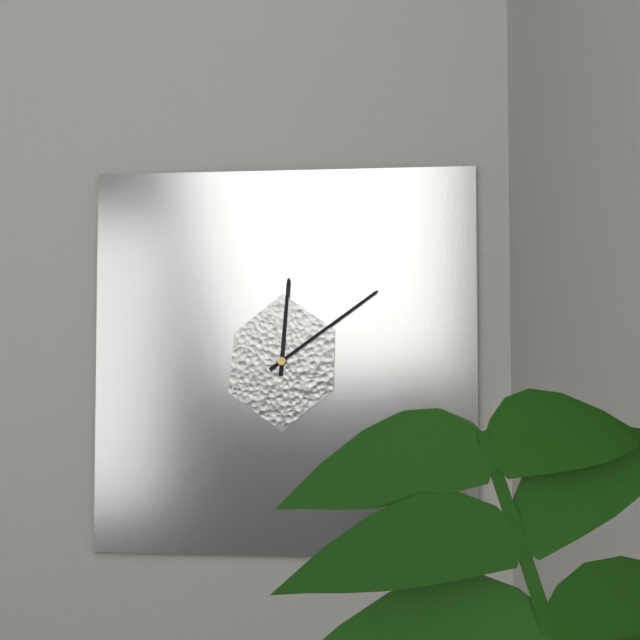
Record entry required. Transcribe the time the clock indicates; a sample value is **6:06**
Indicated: **12:09**
